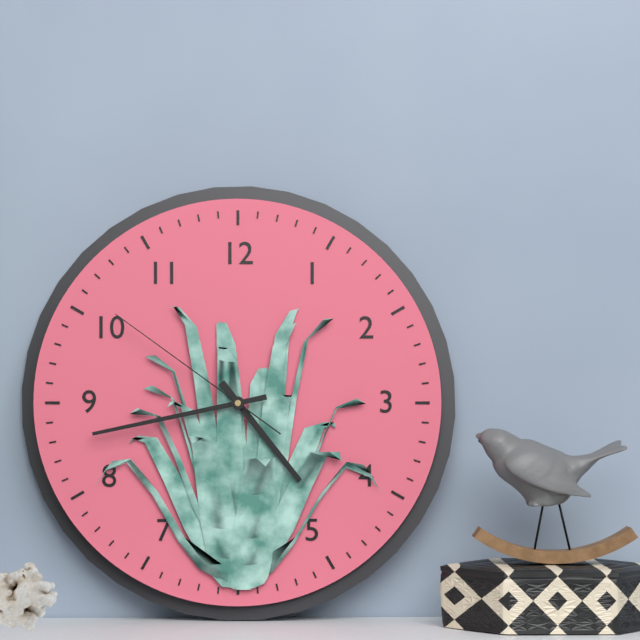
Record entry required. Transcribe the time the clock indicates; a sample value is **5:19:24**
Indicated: **4:43:51**
